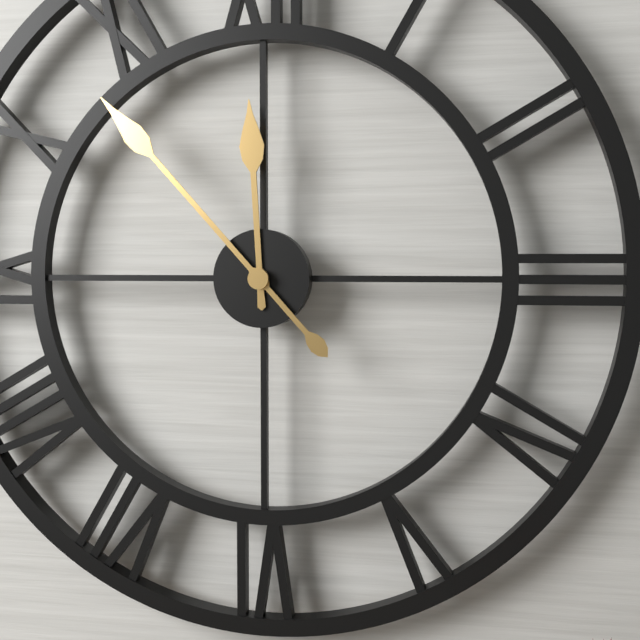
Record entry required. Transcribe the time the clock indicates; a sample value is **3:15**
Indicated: **11:53**
